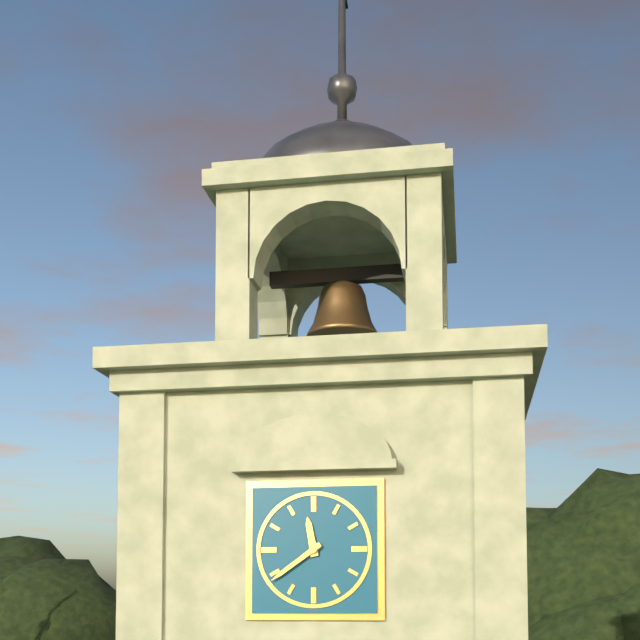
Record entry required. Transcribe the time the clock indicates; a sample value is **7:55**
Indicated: **11:39**
